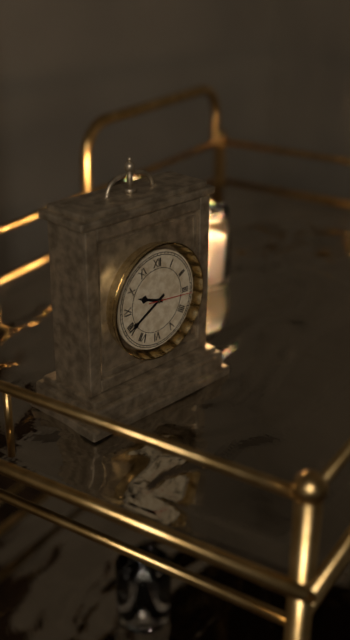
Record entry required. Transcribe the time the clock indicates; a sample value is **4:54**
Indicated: **9:40**
